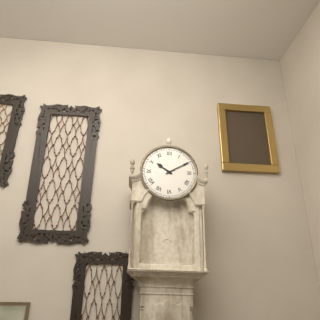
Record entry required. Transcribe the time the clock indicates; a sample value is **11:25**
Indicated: **10:10**
